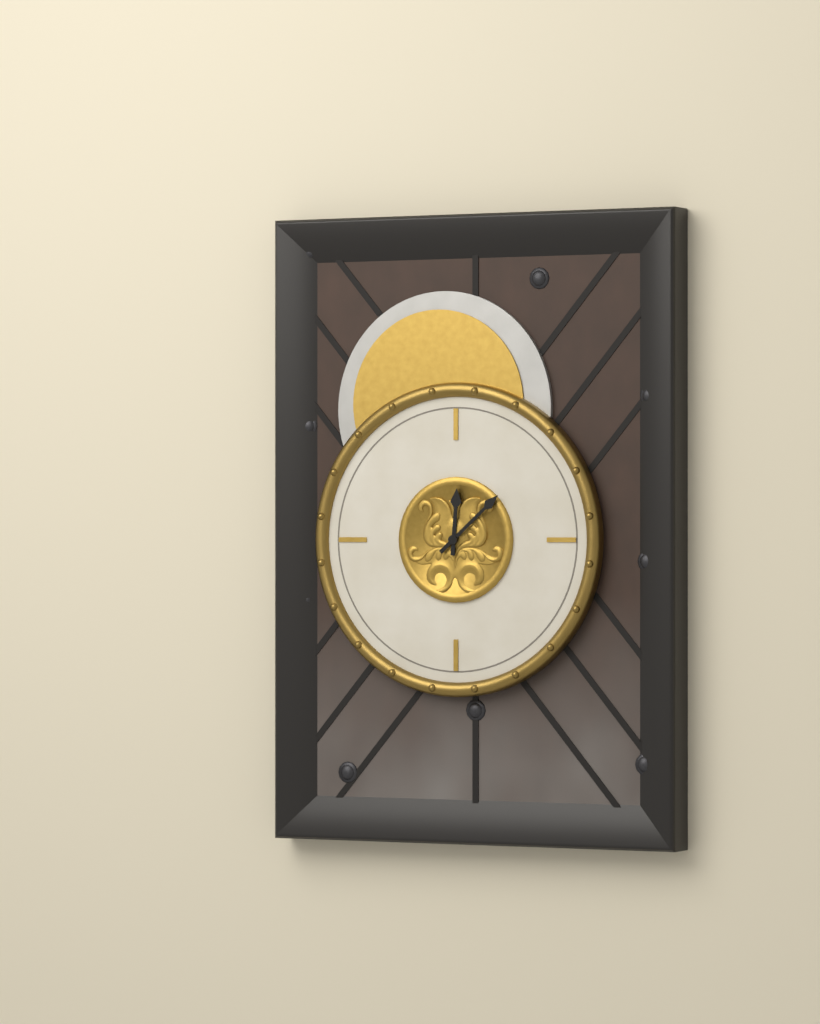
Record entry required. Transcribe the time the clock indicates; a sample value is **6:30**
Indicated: **12:08**
